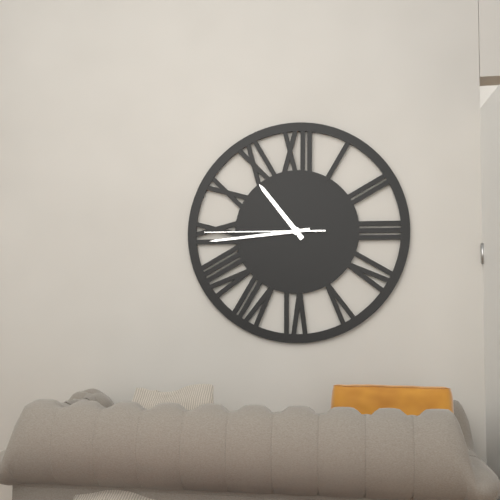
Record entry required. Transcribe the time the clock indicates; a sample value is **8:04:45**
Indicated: **10:44:45**
